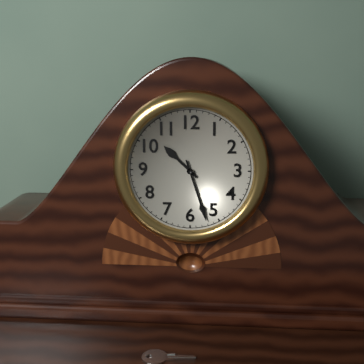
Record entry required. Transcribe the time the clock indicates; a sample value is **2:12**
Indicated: **10:27**
